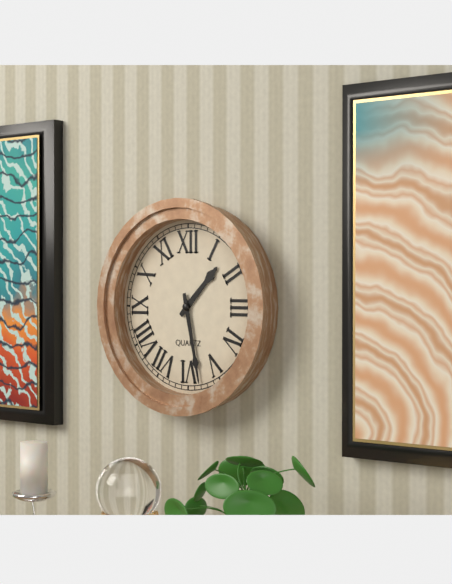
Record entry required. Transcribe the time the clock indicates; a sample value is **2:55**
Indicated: **1:28**
